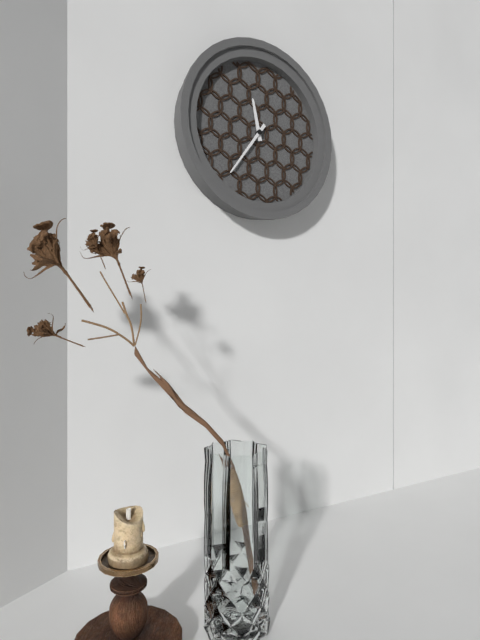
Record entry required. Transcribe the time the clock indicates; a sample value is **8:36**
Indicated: **11:36**
